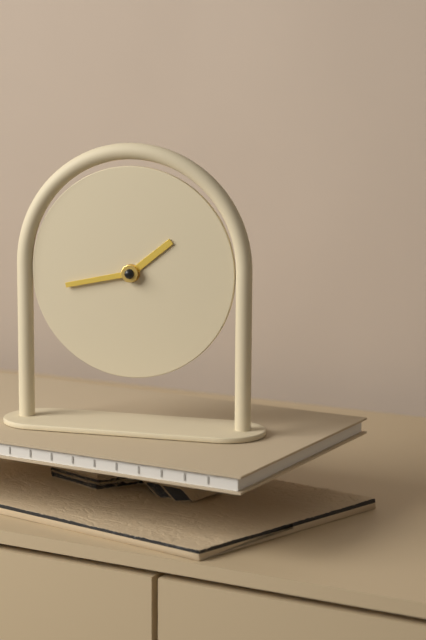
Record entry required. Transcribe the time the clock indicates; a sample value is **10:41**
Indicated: **1:43**
